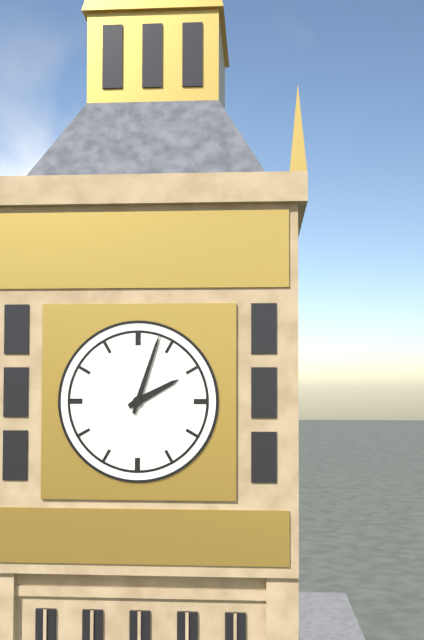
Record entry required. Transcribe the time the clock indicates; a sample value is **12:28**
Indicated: **2:03**
